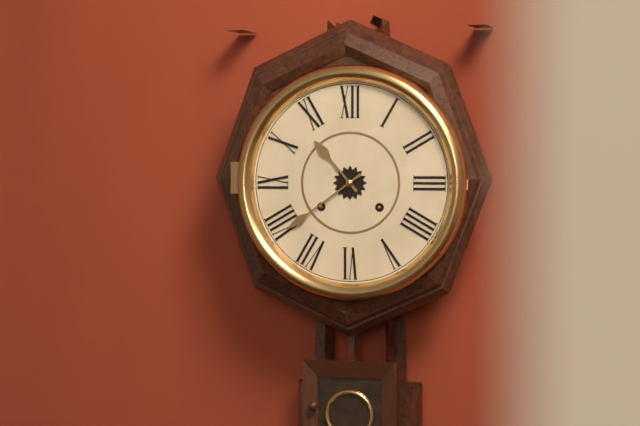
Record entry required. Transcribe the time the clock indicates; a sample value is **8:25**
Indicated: **10:39**
